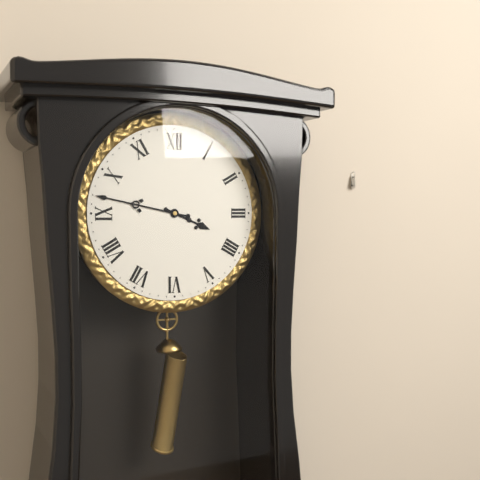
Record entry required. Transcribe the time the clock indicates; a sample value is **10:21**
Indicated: **3:47**
